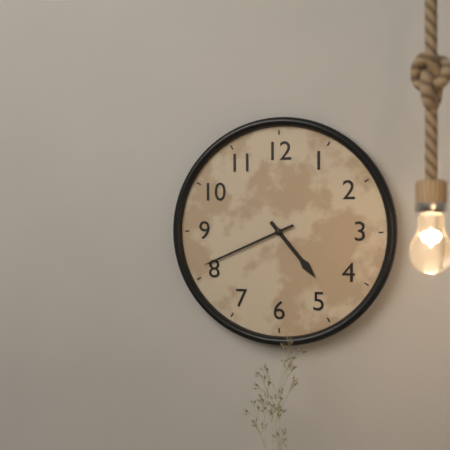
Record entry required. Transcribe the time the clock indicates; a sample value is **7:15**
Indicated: **4:41**
